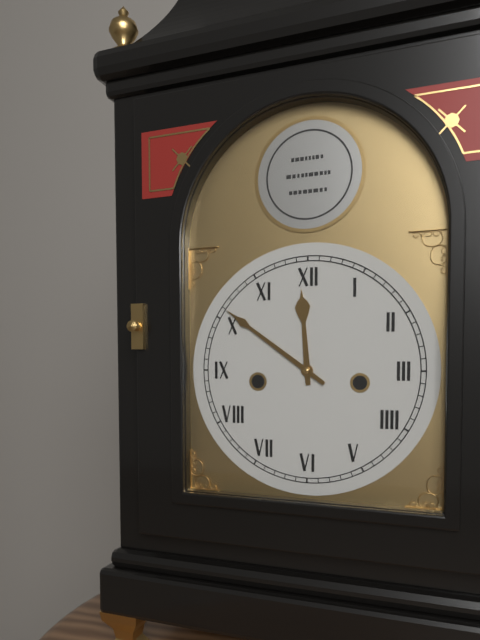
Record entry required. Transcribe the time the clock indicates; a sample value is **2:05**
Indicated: **11:51**
